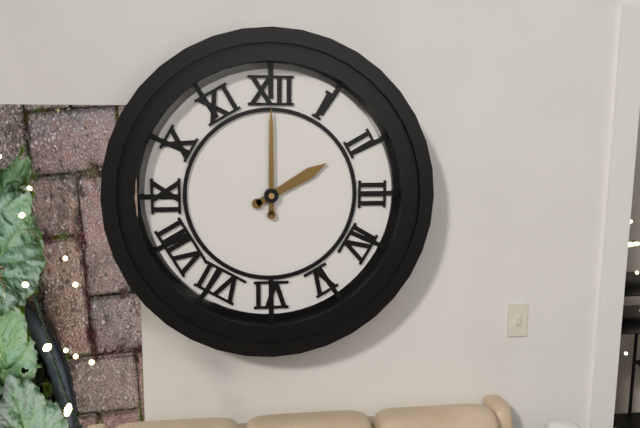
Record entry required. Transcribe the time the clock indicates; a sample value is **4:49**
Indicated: **2:00**
